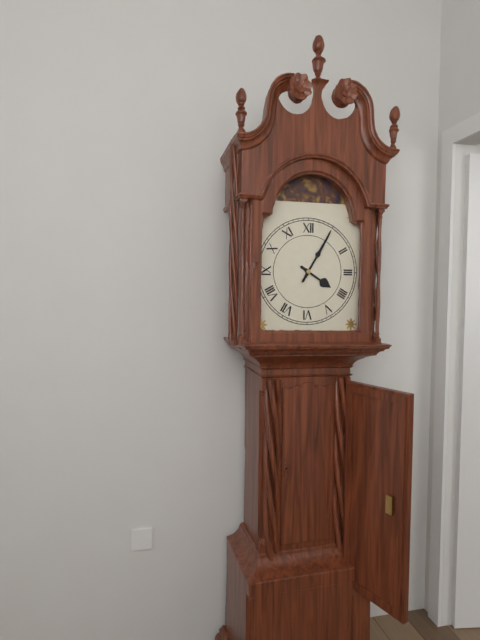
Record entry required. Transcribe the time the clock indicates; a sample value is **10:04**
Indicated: **4:05**
